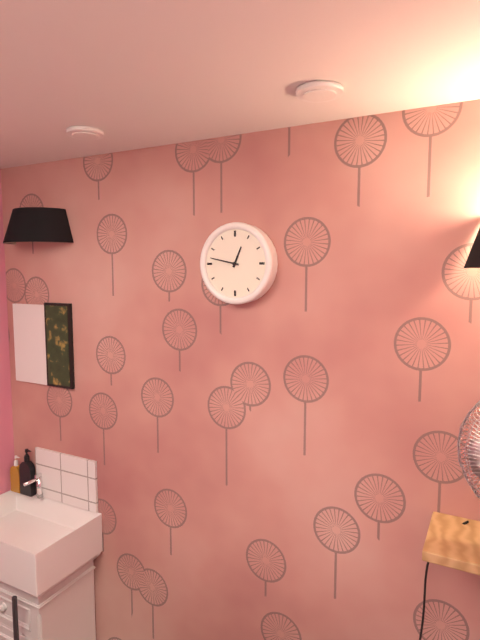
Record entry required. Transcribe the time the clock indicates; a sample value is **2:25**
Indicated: **12:47**
